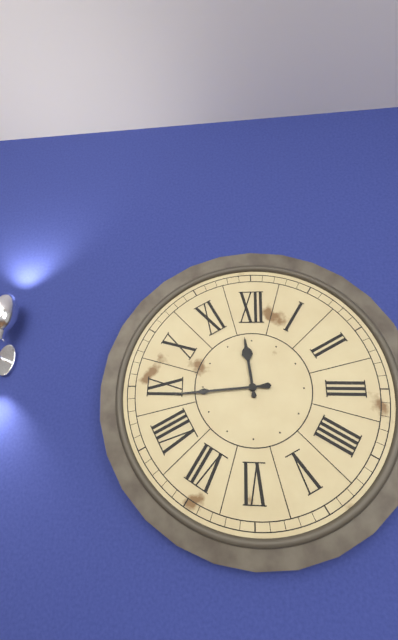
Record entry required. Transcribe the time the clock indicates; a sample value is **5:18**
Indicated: **11:44**
